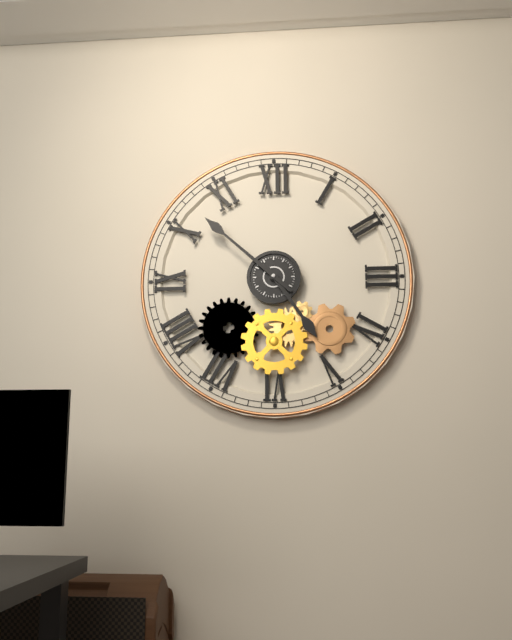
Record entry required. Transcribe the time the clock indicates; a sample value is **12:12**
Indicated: **4:52**
